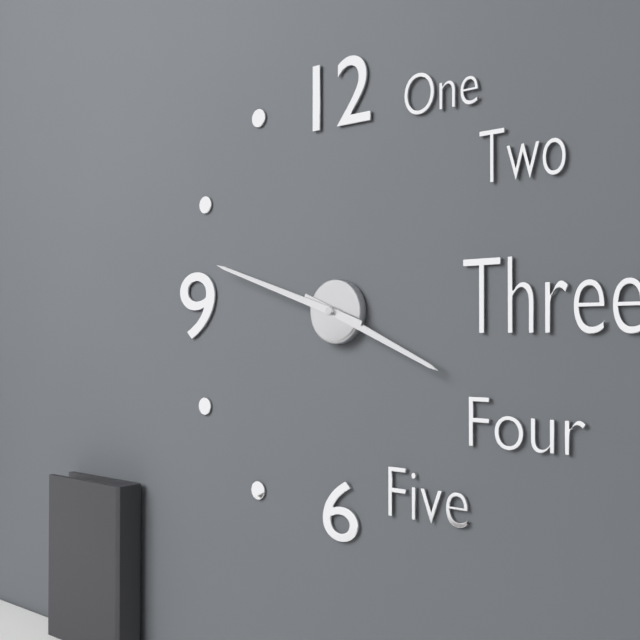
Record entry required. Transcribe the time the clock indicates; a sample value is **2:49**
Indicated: **3:48**
